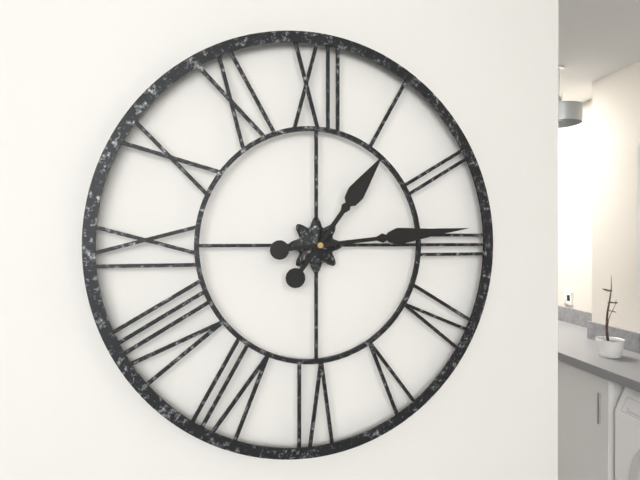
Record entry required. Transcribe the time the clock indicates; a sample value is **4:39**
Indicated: **1:14**
